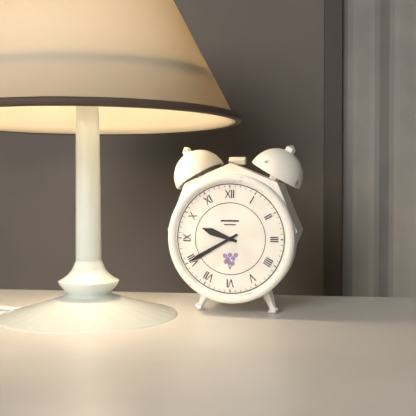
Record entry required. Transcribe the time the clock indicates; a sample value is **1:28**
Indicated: **9:40**
